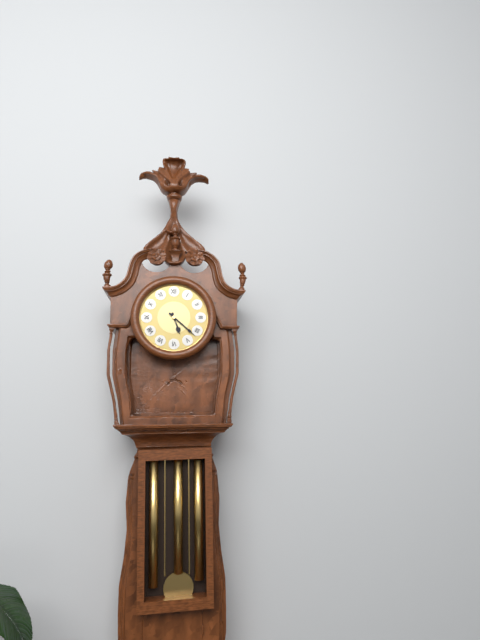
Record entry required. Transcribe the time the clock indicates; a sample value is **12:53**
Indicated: **5:22**
